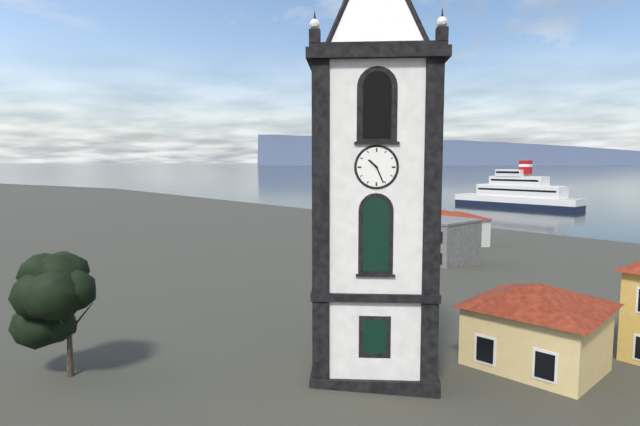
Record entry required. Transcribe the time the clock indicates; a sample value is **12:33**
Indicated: **10:26**
